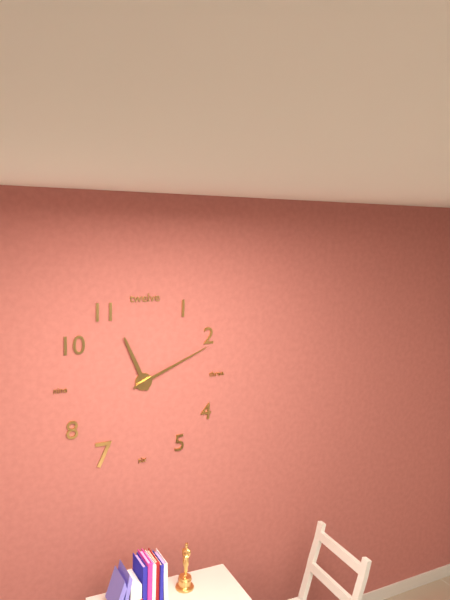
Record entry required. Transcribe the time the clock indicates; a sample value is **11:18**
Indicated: **11:11**
